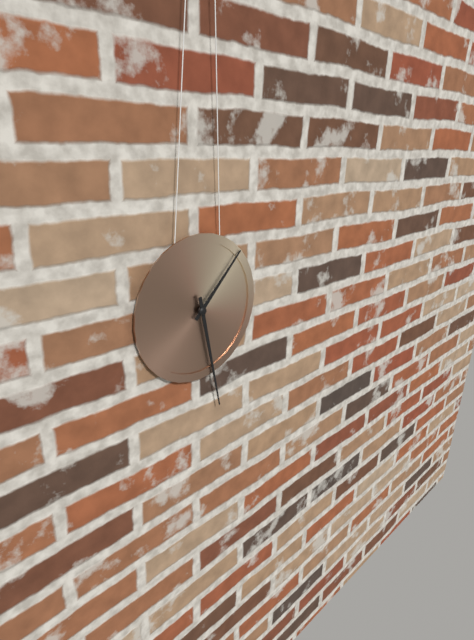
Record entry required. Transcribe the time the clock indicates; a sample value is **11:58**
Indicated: **1:28**
